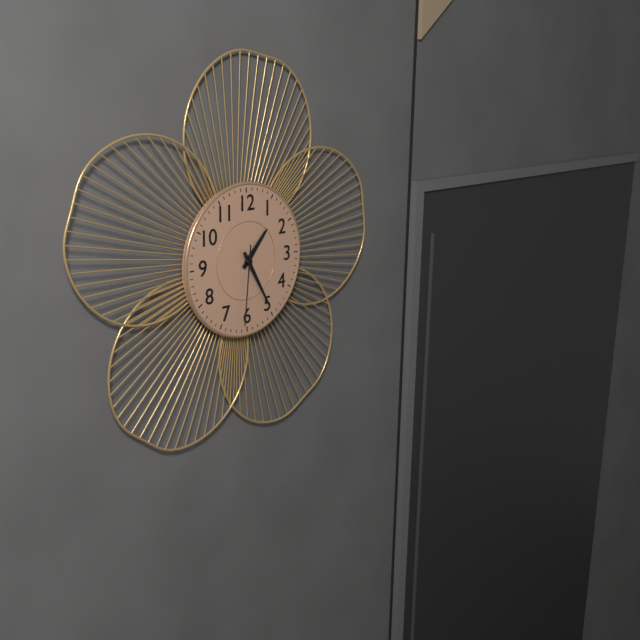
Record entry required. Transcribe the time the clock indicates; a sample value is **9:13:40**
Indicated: **1:25:31**
